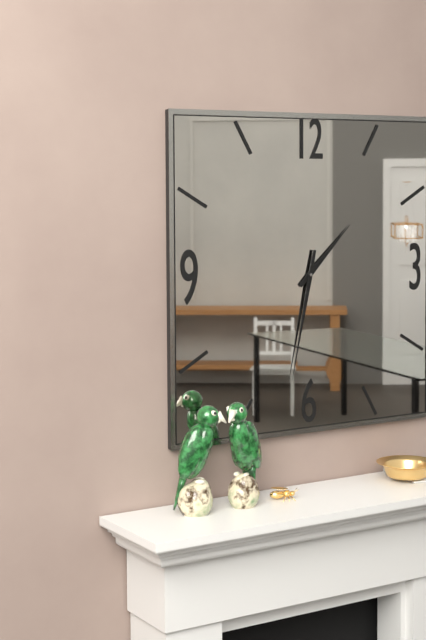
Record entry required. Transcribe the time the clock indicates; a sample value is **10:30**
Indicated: **1:32**
